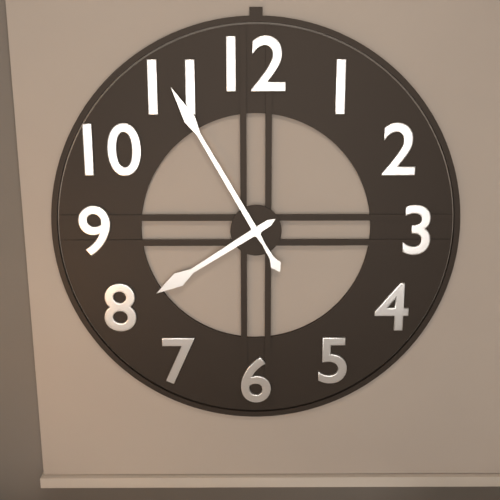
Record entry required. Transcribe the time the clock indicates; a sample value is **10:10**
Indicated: **7:55**
